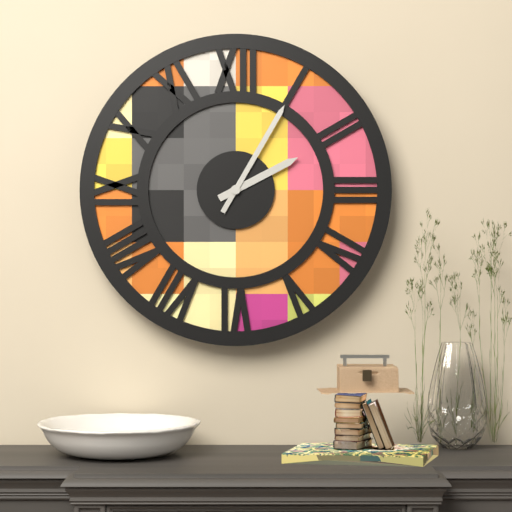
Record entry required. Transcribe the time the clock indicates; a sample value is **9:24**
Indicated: **2:05**
